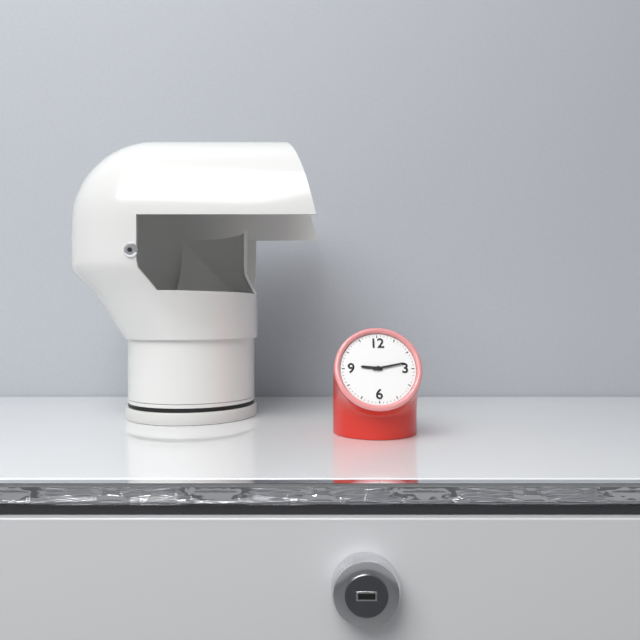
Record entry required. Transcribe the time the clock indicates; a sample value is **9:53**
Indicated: **9:13**
